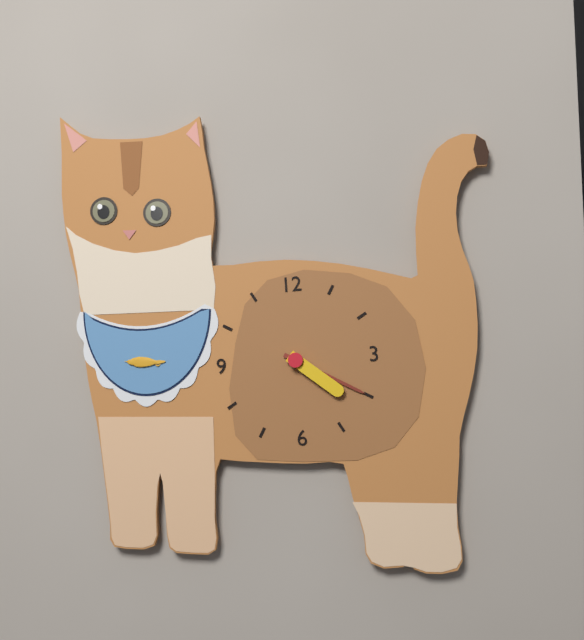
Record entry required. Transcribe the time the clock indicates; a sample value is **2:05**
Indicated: **4:20**
